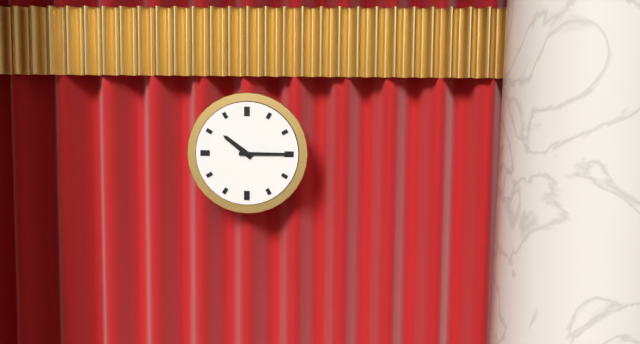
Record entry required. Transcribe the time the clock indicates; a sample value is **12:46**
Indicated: **10:15**
